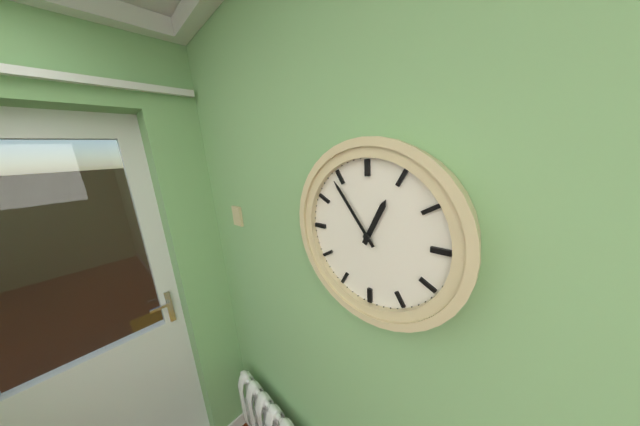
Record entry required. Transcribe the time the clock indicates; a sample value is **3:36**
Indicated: **12:54**
